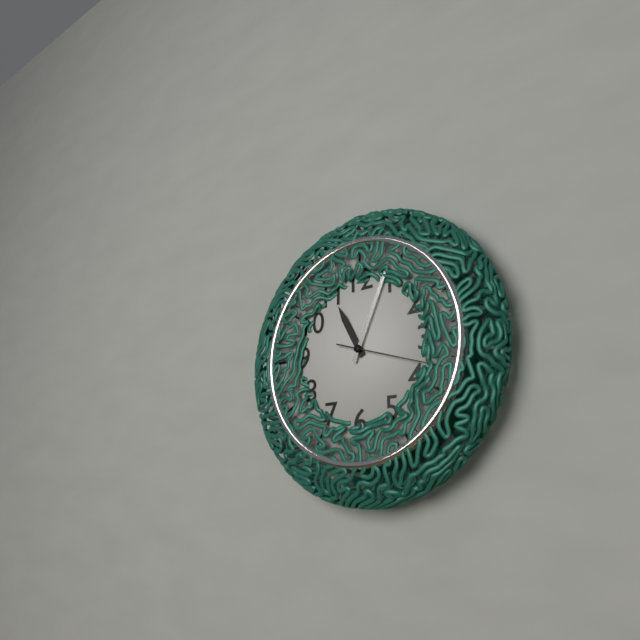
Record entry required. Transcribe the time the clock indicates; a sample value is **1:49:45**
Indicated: **11:04:18**
